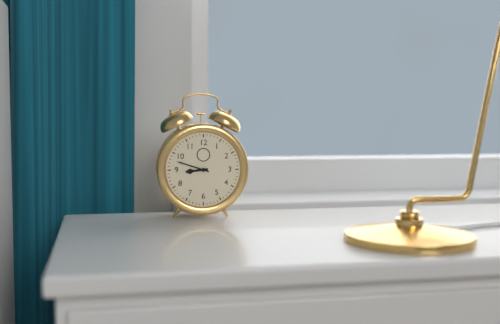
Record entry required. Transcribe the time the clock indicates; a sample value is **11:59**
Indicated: **8:48**
